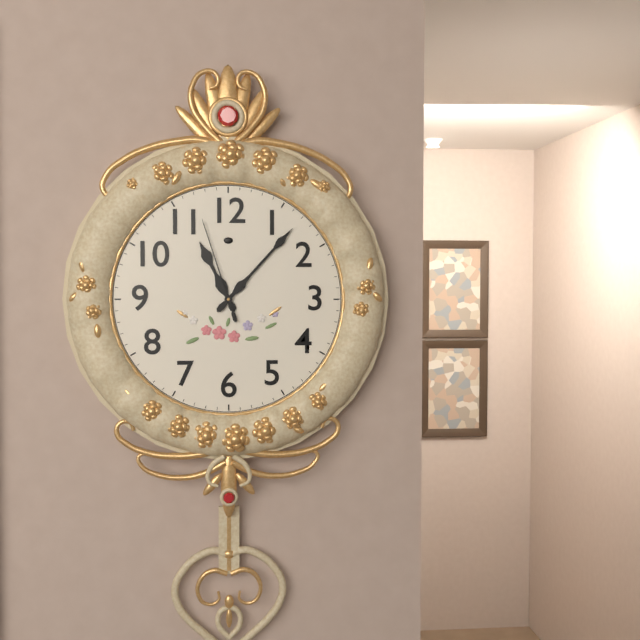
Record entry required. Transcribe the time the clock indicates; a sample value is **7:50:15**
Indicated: **11:07:57**
